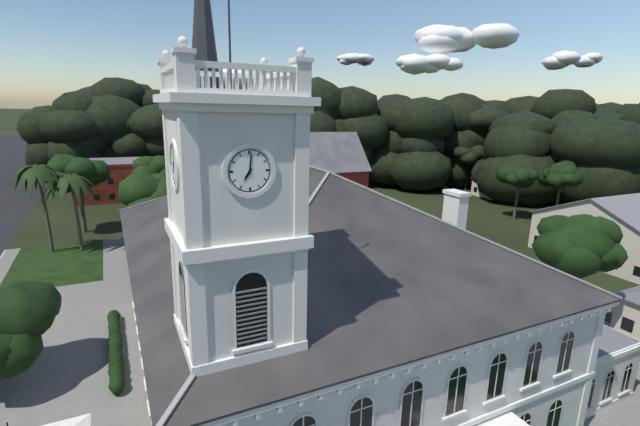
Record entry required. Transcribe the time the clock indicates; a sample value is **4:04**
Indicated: **7:01**
